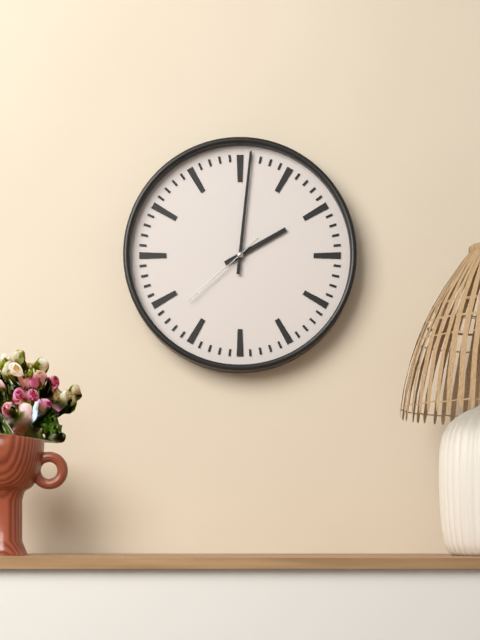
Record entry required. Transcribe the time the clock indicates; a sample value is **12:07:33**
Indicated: **2:01:38**
